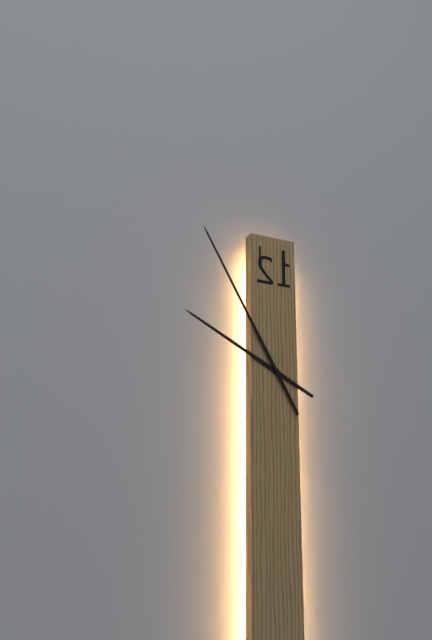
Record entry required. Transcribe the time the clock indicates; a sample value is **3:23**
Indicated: **9:55**
